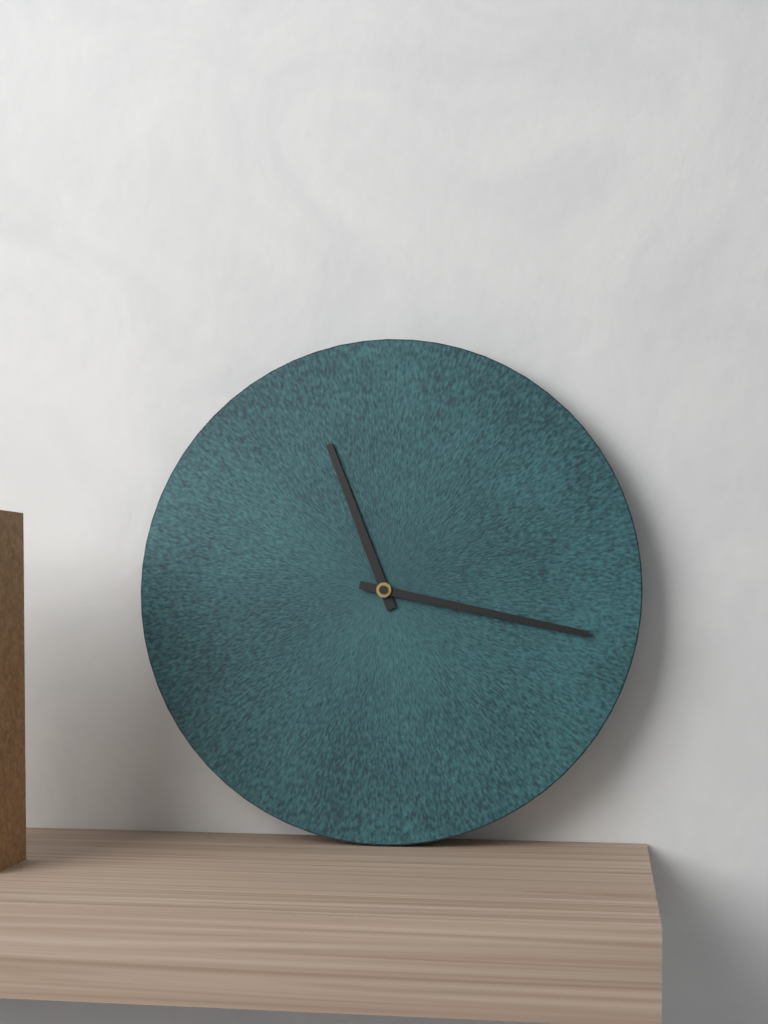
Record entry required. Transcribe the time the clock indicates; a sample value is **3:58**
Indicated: **11:17**
